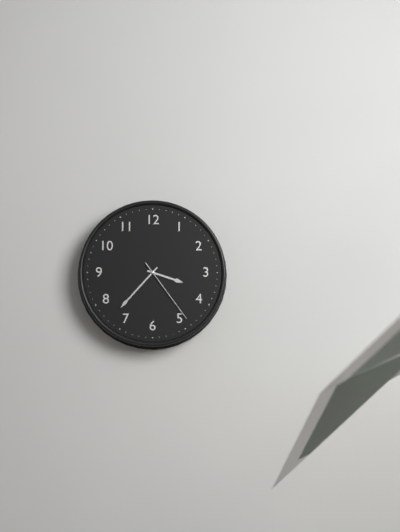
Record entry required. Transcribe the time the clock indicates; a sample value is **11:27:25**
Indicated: **3:37:24**
